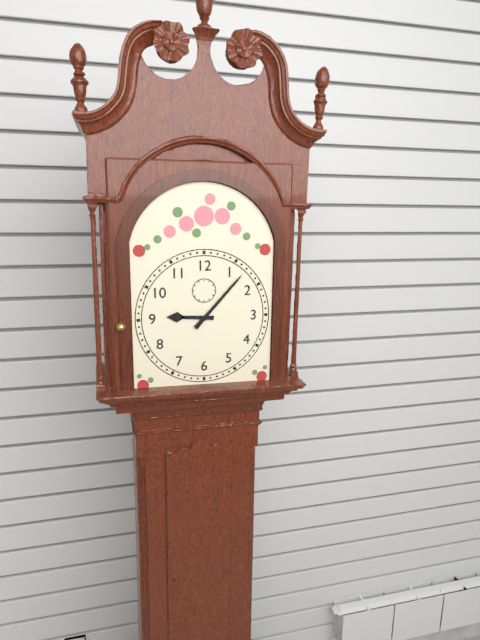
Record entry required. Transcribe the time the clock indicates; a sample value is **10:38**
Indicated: **9:07**
